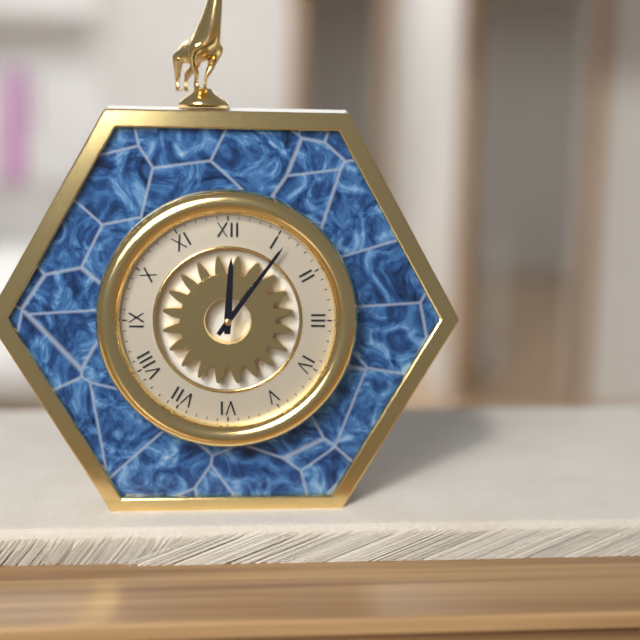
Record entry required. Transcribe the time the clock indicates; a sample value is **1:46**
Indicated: **12:06**
